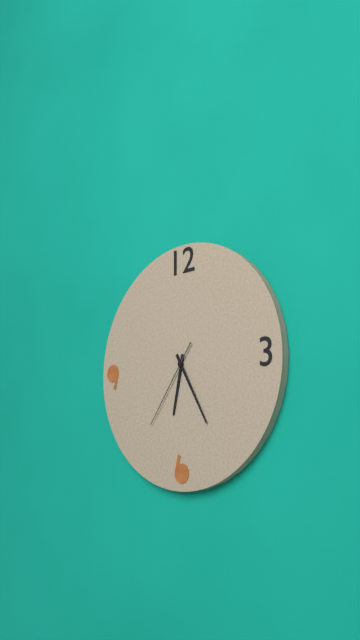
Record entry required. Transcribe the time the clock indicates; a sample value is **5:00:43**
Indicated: **6:25:36**
